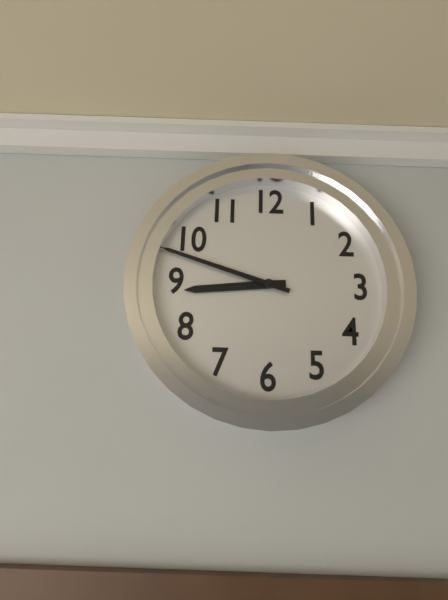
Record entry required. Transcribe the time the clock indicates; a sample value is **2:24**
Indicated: **8:48**
